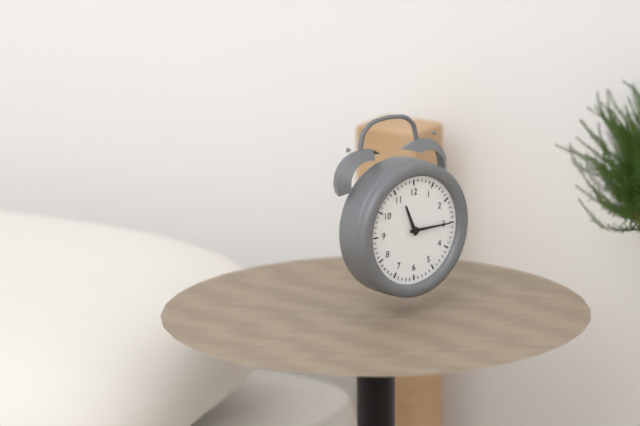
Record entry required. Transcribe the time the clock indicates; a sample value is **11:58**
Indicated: **11:15**
